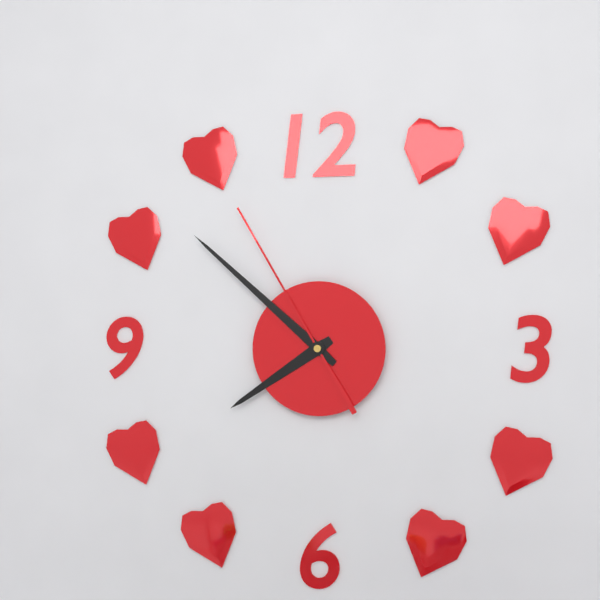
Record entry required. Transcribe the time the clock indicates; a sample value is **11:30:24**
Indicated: **7:52:55**
